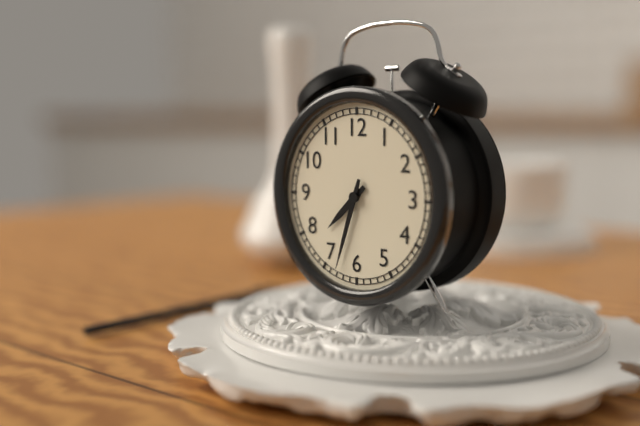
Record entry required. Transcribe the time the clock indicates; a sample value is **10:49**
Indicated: **7:33**
